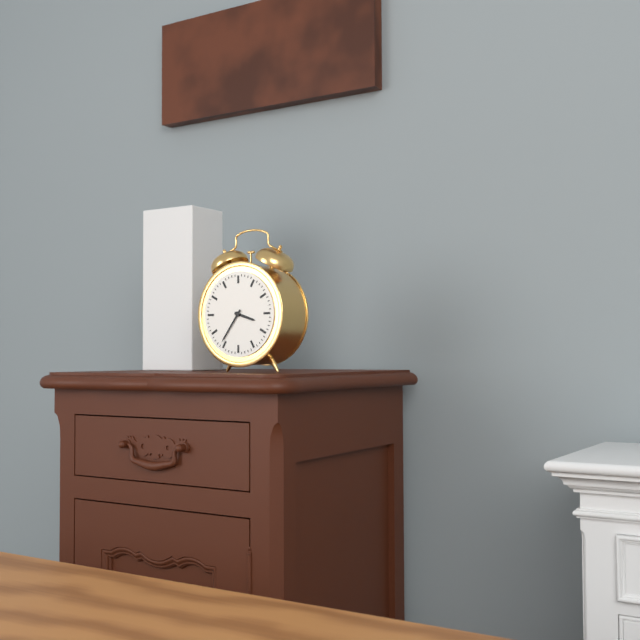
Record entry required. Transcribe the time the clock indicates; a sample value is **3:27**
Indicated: **3:36**
